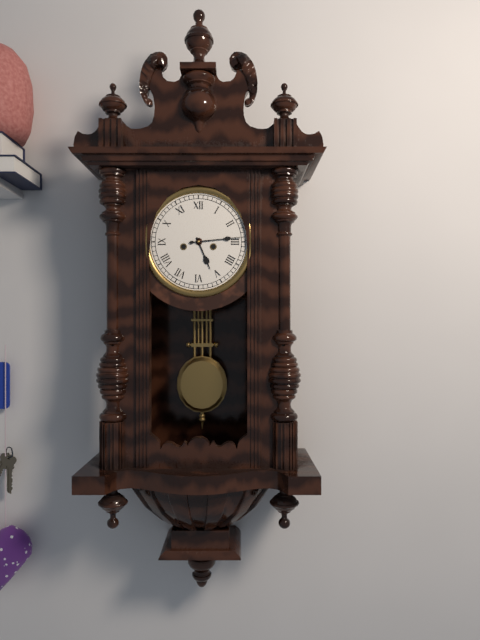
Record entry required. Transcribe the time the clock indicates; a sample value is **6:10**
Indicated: **5:14**
